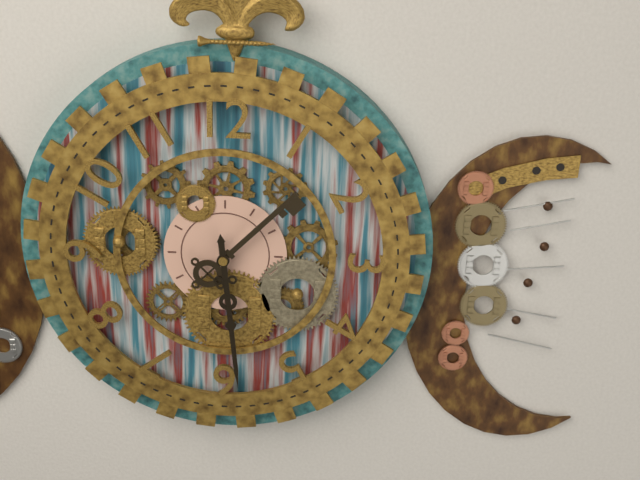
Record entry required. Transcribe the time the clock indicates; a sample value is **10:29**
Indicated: **1:29**
